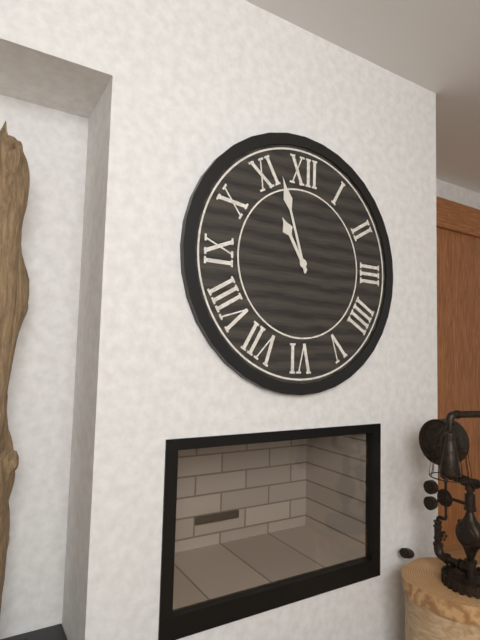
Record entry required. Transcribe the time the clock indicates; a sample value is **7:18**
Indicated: **10:57**
